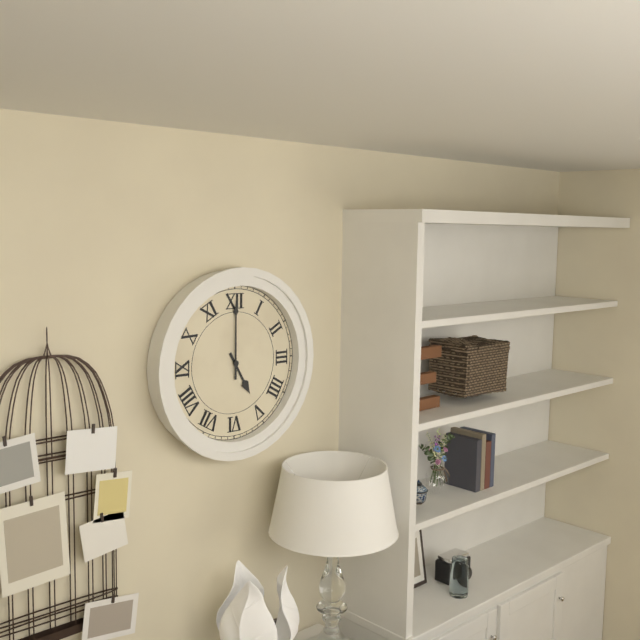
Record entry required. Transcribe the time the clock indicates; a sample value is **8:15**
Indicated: **5:00**
